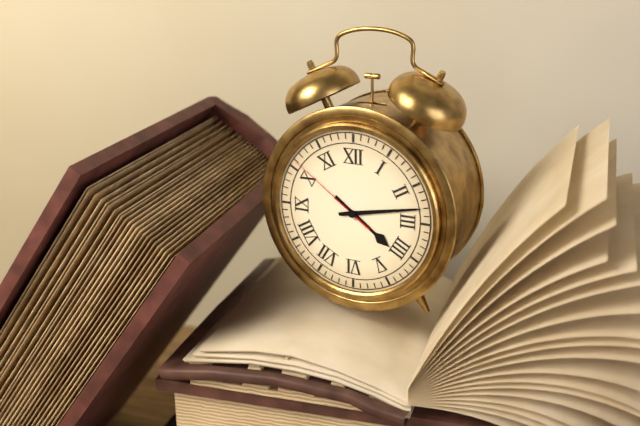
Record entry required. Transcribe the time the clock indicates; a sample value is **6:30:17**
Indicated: **4:13:51**
